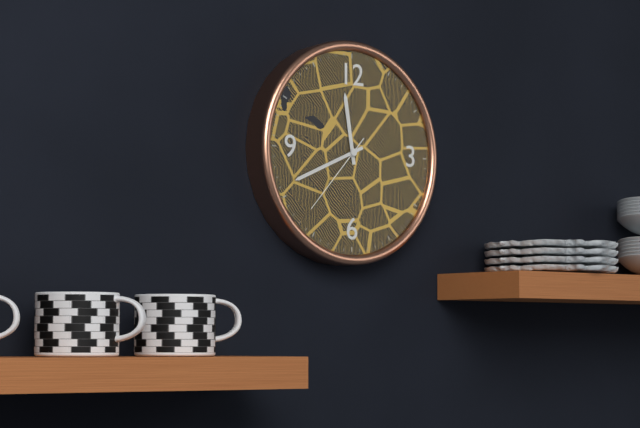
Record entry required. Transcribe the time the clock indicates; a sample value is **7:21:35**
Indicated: **11:41:37**
